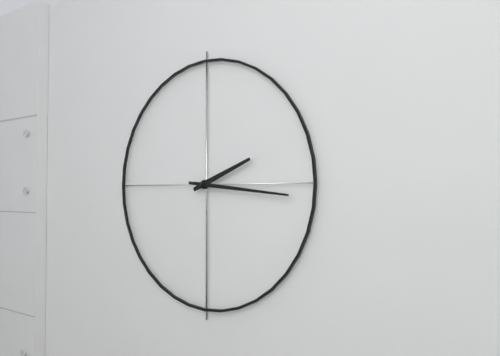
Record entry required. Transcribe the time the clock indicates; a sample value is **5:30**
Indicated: **2:16**
